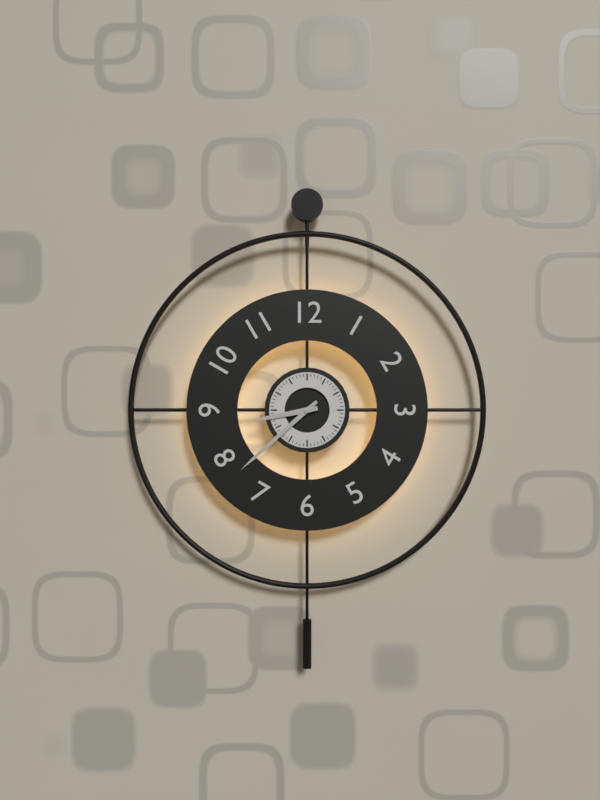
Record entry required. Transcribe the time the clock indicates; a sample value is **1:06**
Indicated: **8:38**
